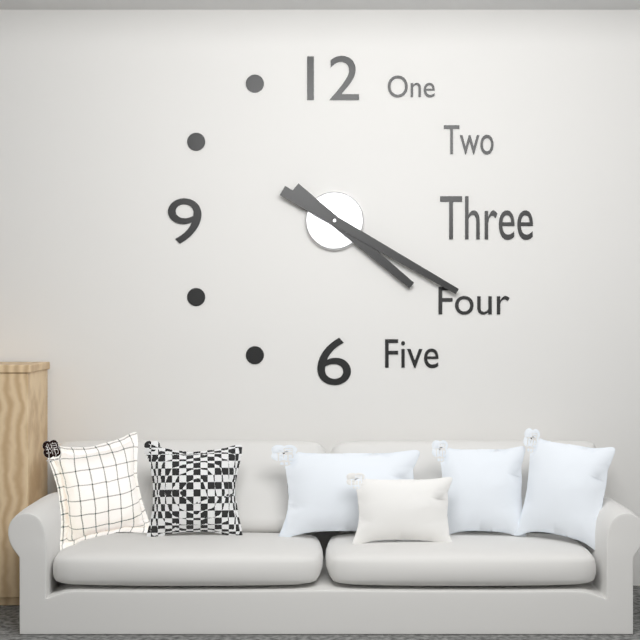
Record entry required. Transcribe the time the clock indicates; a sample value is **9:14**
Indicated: **4:20**
